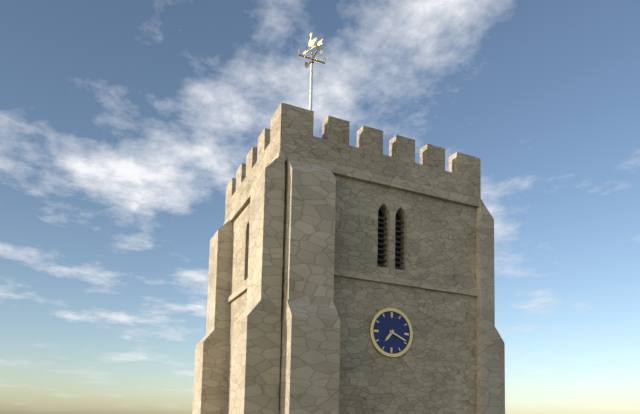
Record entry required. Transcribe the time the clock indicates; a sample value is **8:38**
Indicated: **7:19**
